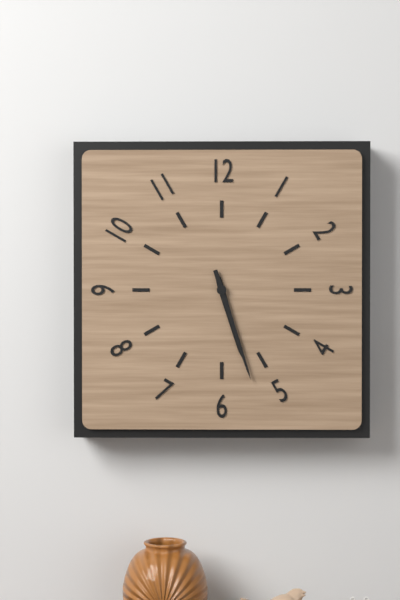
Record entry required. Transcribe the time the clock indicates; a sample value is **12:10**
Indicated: **5:27**
